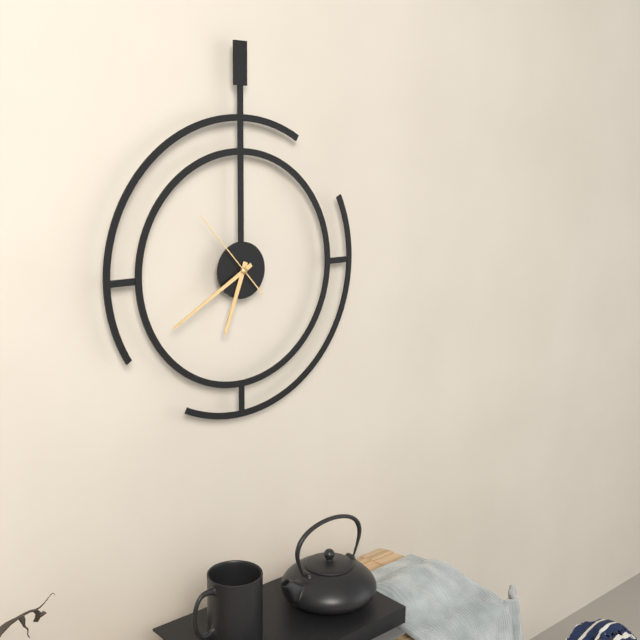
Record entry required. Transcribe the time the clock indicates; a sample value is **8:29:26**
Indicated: **6:40:53**
